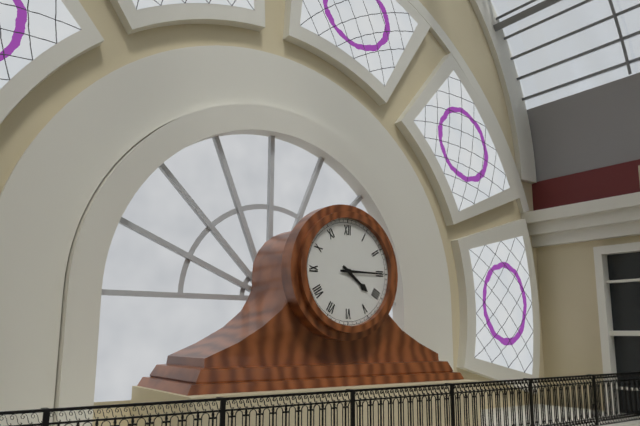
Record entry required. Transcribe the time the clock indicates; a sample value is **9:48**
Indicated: **4:15**
